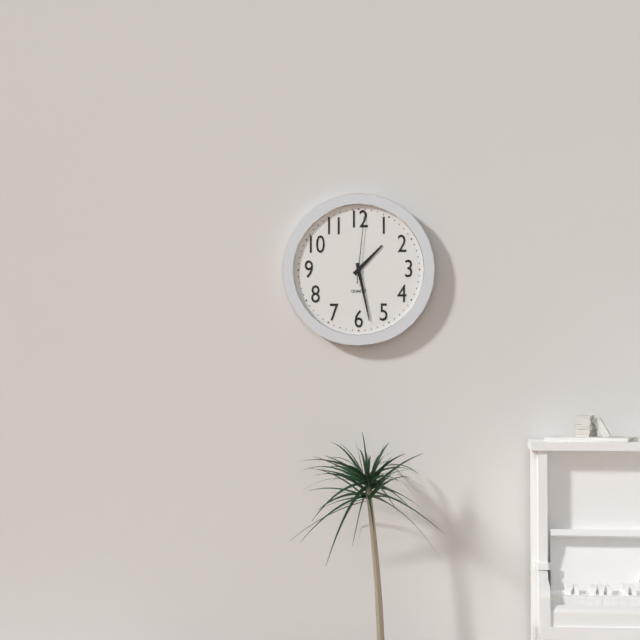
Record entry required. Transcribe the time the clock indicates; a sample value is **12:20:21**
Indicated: **1:28:01**
